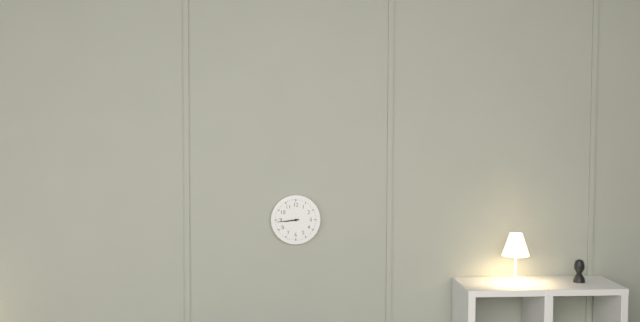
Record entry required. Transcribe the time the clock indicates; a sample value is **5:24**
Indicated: **8:44**
